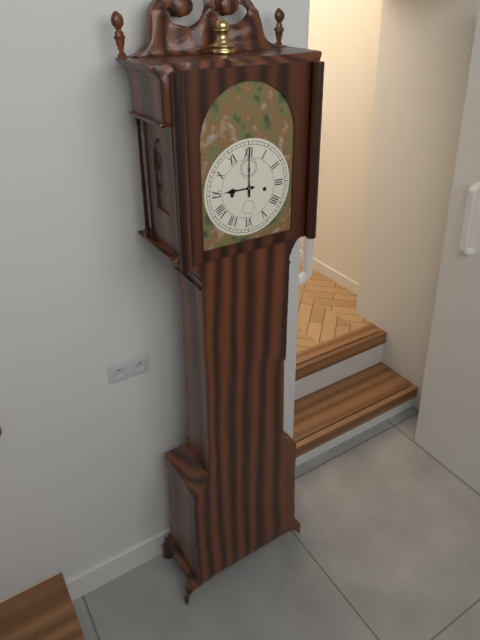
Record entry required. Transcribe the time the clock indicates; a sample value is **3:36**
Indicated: **9:00**
